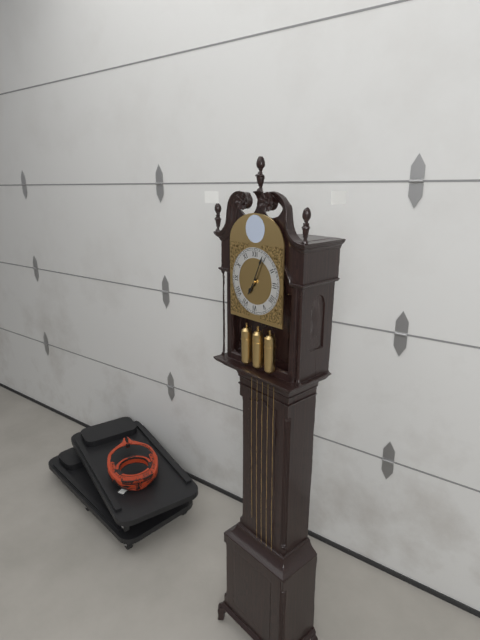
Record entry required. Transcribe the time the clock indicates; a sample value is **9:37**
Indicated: **7:04**
